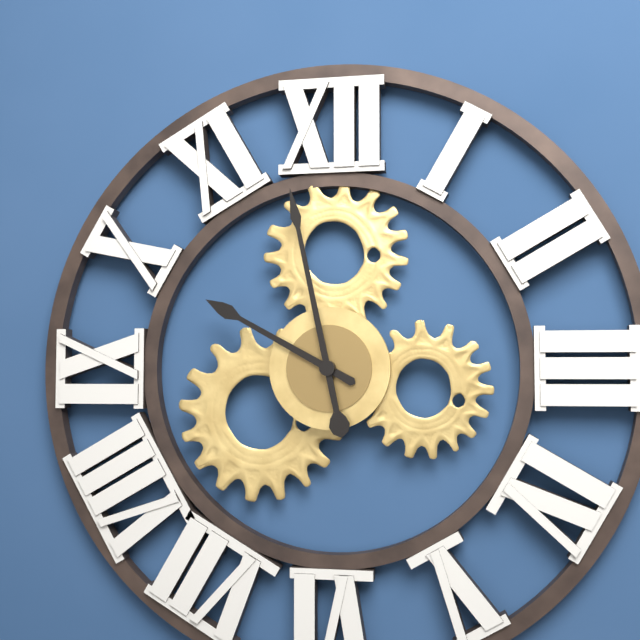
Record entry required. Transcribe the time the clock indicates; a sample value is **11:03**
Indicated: **9:58**
